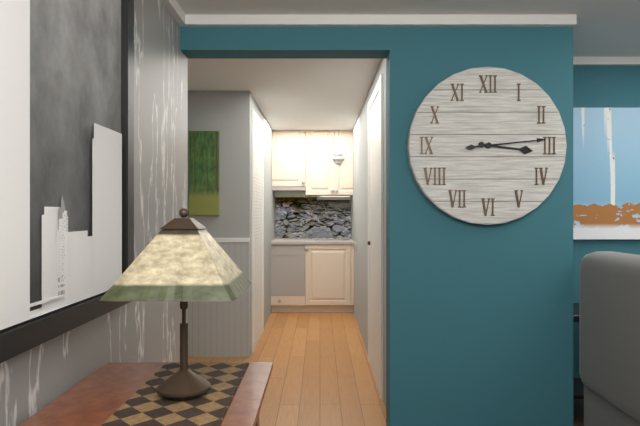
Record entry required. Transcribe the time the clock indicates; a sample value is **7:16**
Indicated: **3:14**
